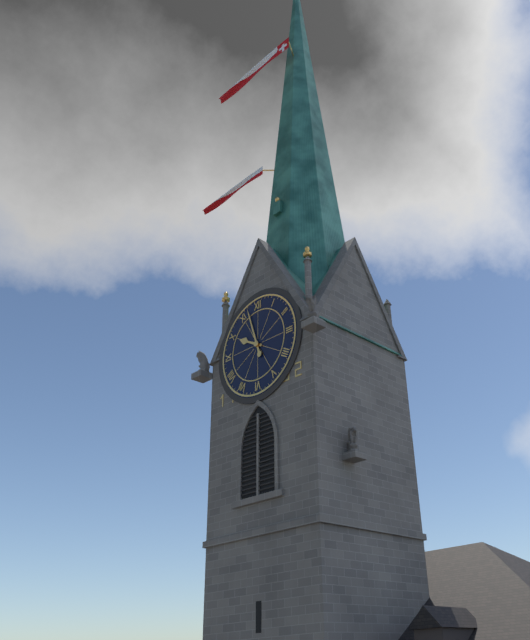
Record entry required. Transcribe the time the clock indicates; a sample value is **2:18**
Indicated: **9:57**
